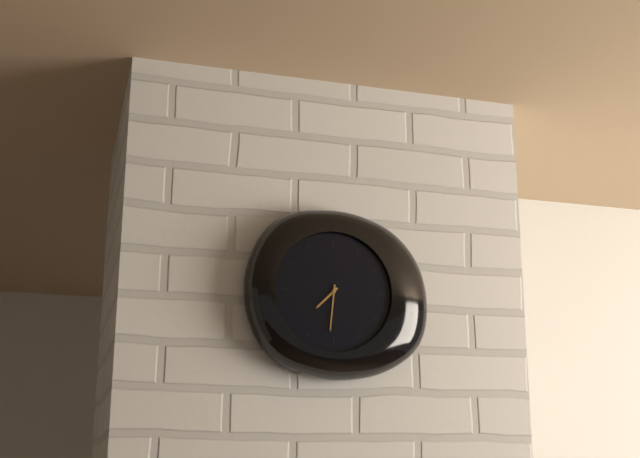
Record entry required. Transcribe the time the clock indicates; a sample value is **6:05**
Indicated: **7:31**
